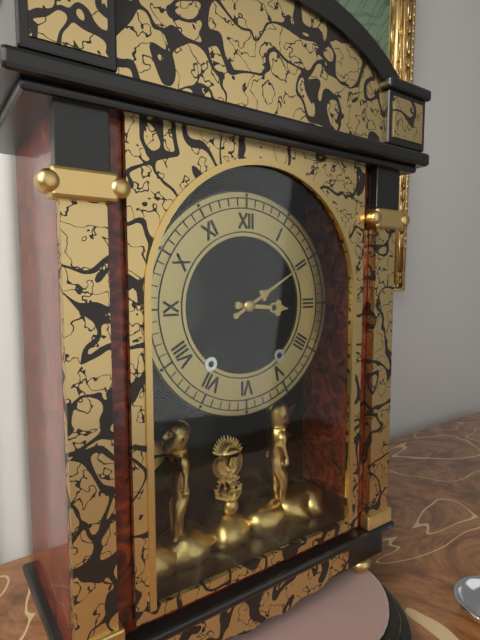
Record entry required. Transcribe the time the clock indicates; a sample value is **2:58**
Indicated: **3:10**
